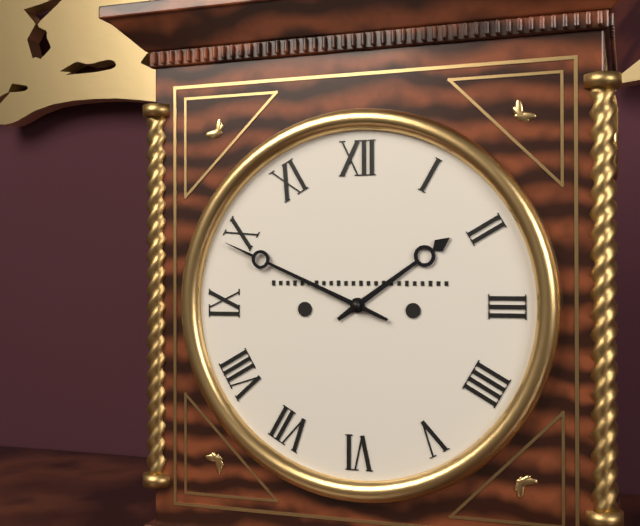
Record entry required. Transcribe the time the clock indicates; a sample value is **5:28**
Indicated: **1:49**
